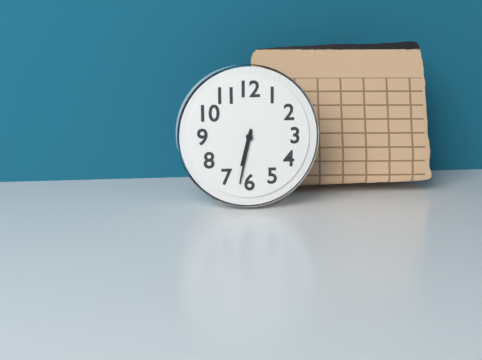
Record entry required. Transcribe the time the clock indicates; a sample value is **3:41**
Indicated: **6:32**
